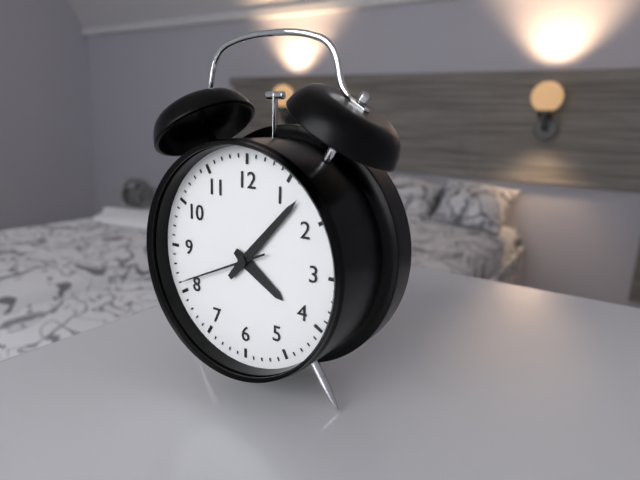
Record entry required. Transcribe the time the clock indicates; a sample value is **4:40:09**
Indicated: **4:07:41**
